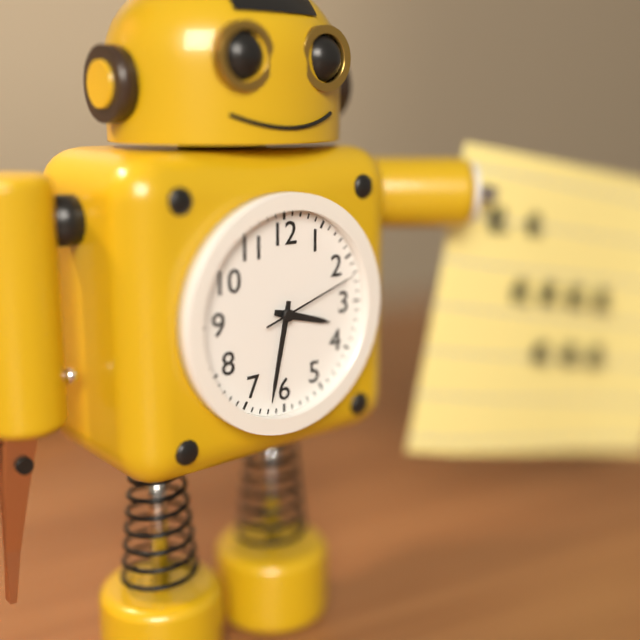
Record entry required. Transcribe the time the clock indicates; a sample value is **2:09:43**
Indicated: **3:32:12**
